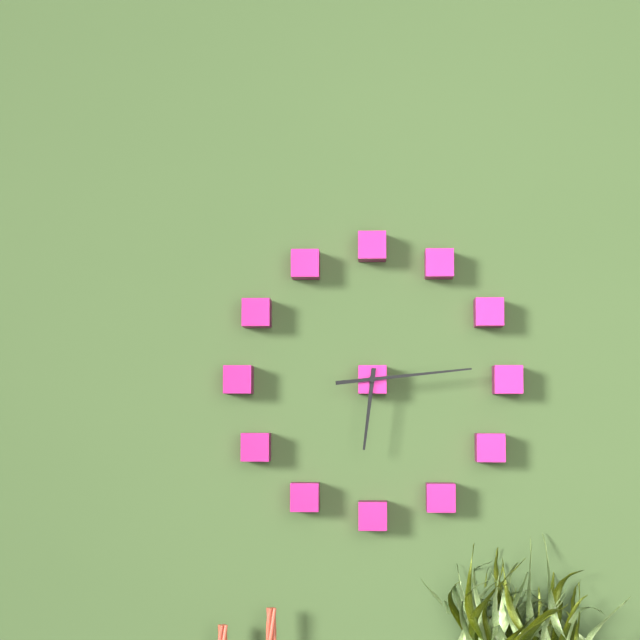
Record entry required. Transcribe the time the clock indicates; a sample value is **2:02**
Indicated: **6:14**
